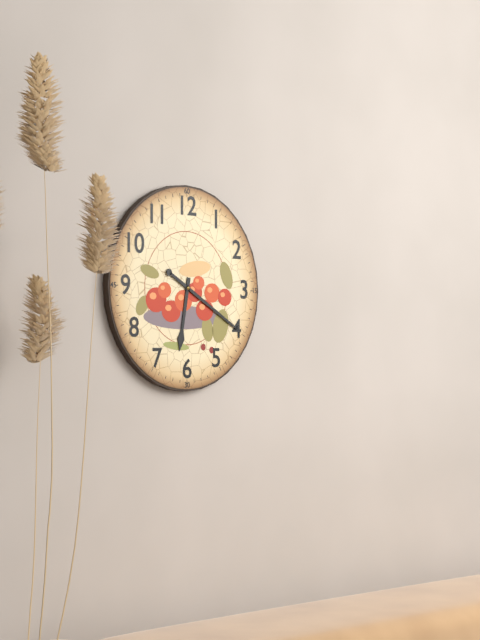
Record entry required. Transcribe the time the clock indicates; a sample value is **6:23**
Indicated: **6:20**
